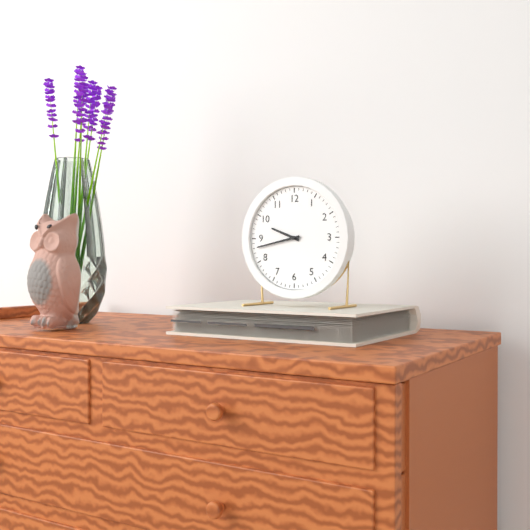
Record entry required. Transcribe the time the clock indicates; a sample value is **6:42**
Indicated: **9:43**
